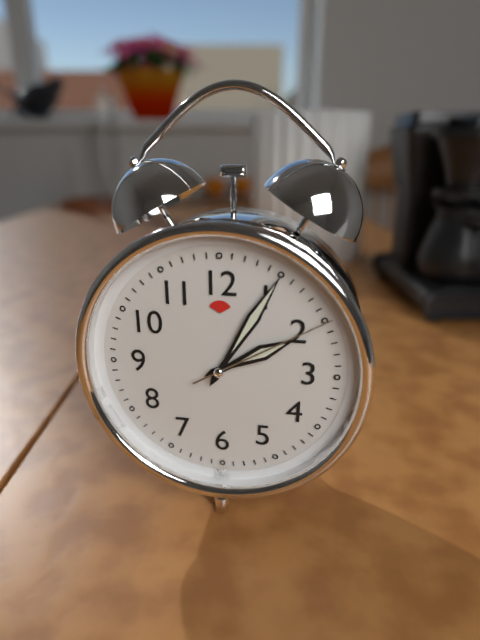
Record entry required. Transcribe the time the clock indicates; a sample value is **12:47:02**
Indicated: **2:05:10**
